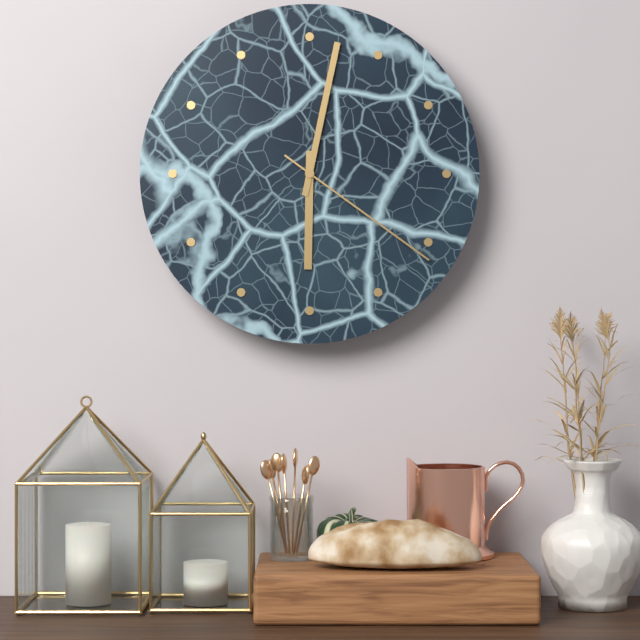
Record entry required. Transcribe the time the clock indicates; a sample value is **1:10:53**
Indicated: **6:02:21**
